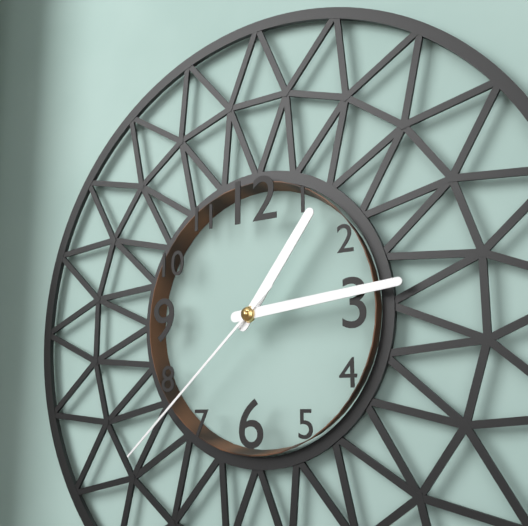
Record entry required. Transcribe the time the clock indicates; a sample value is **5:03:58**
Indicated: **1:14:38**
